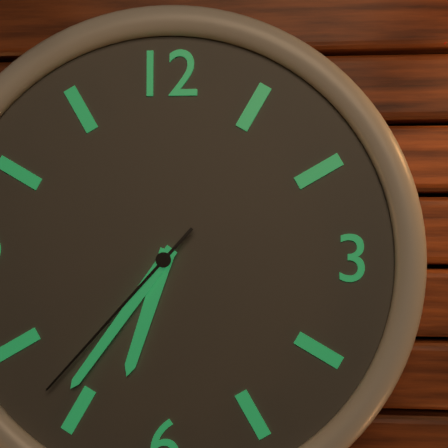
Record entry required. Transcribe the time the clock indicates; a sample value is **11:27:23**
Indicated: **6:36:37**
